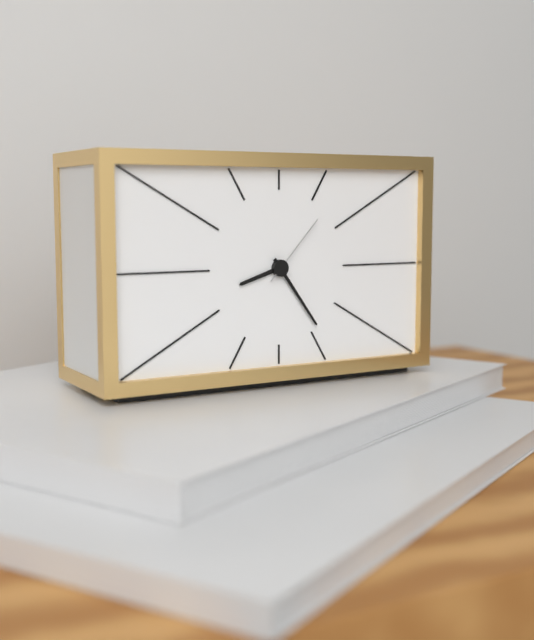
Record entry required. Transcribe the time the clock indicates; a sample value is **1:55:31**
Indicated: **8:24:07**
